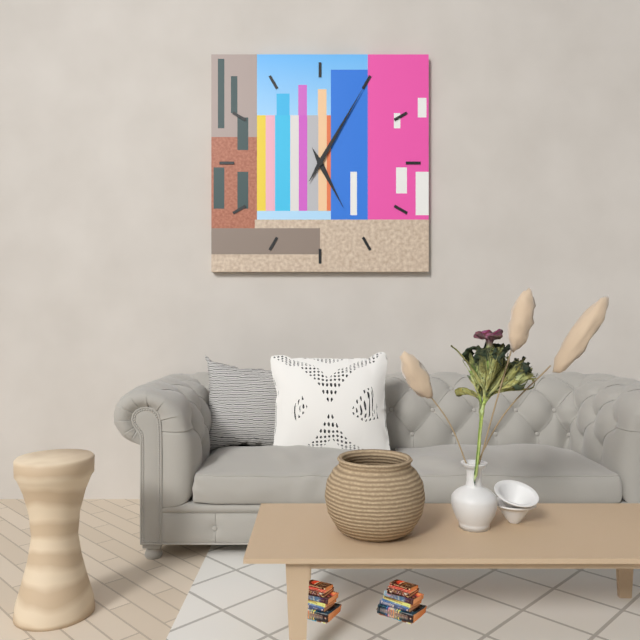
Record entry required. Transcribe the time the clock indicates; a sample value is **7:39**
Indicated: **5:05**
